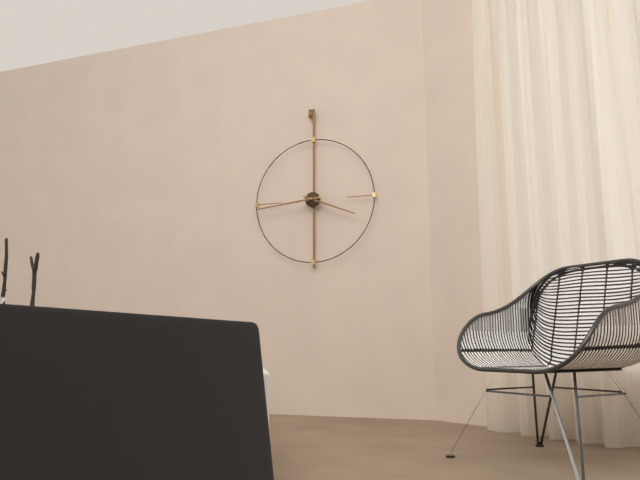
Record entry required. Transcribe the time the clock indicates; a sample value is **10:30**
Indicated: **3:44**
